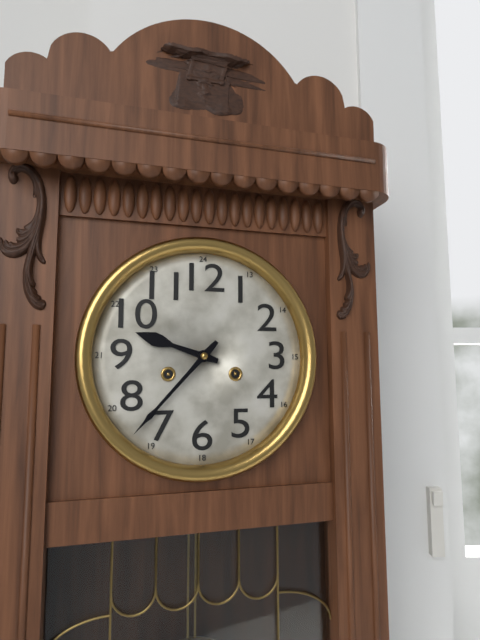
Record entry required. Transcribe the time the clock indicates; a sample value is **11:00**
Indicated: **9:37**
